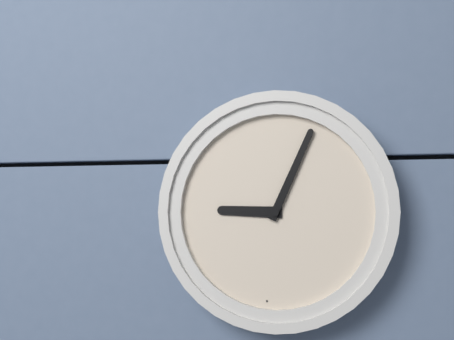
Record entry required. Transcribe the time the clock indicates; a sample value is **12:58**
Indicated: **9:04**
